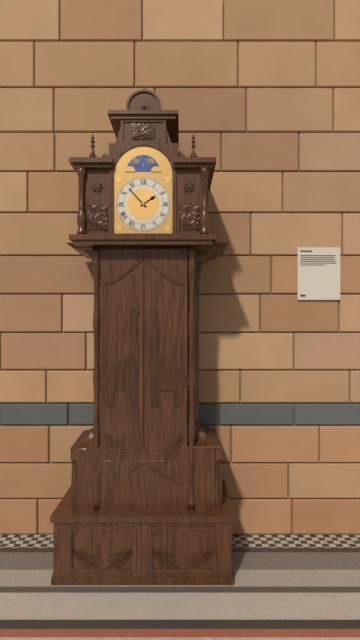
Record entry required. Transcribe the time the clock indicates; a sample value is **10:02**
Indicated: **1:53**
